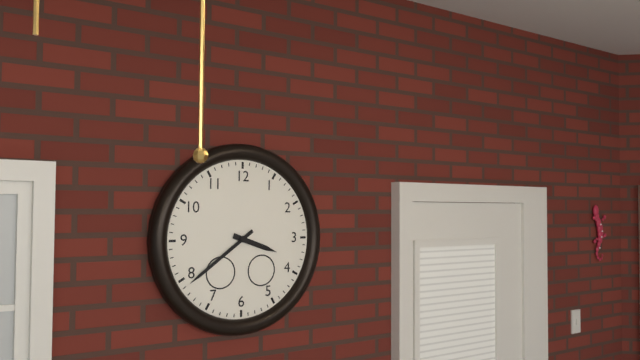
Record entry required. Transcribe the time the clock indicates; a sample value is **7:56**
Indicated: **3:39**
